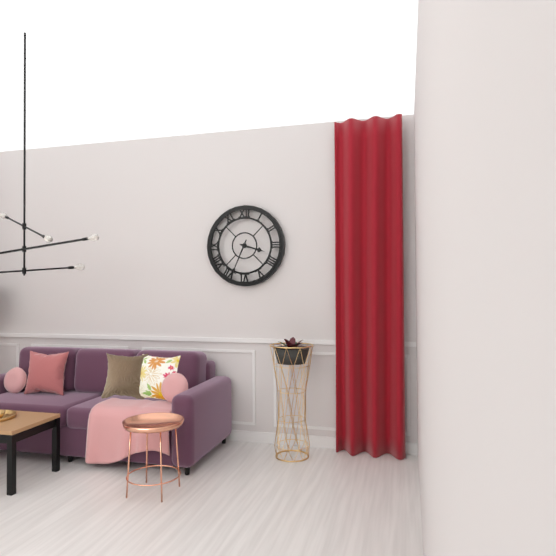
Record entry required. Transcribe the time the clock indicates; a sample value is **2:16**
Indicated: **3:34**
